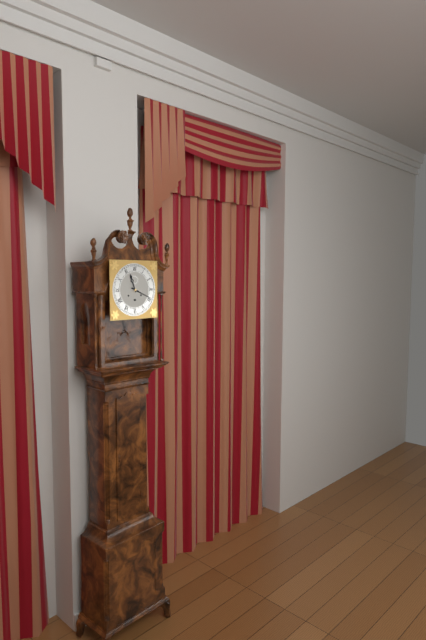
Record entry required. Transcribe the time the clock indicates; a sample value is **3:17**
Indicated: **11:19**
